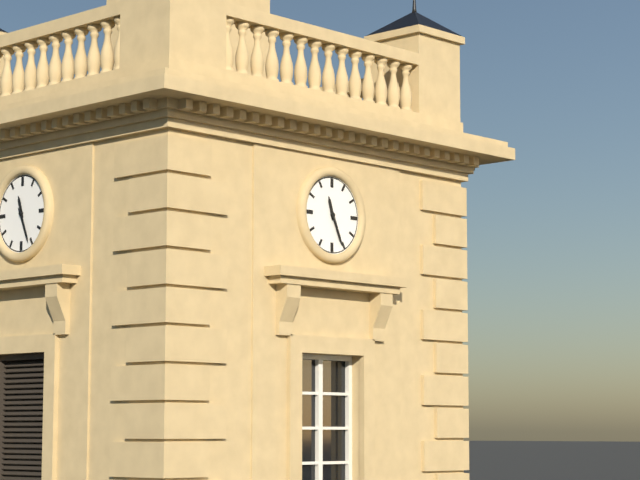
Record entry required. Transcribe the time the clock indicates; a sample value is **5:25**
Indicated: **11:26**
